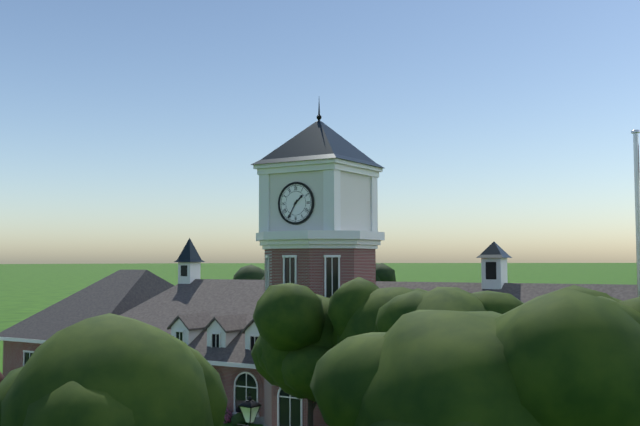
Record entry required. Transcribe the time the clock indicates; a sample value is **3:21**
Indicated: **1:35**
